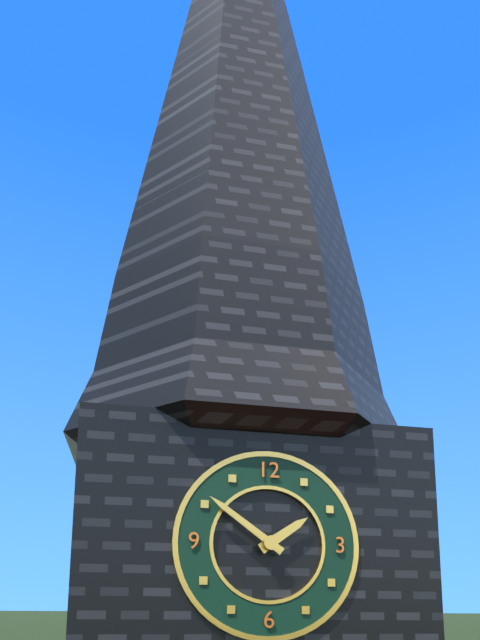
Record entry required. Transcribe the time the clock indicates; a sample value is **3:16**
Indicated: **1:51**
